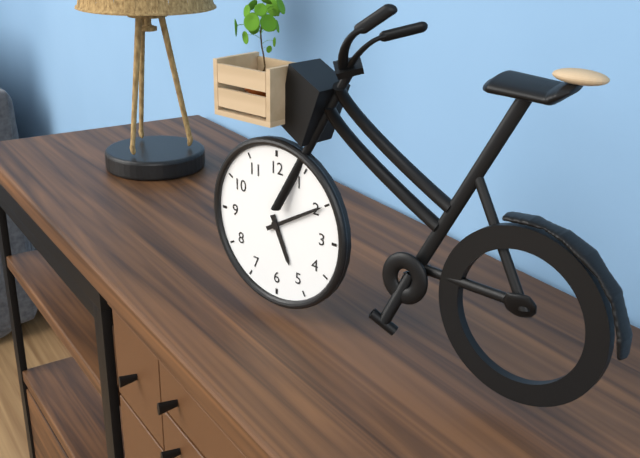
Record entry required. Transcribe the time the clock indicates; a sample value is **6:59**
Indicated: **5:10**
